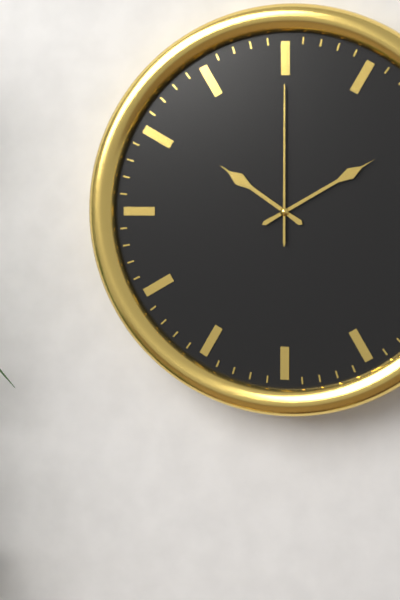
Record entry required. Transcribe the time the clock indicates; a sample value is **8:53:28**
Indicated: **10:10:00**
